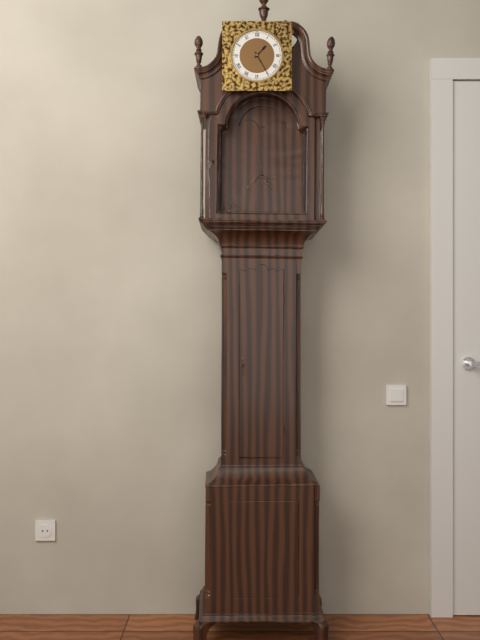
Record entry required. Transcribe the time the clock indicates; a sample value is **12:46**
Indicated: **1:25**
